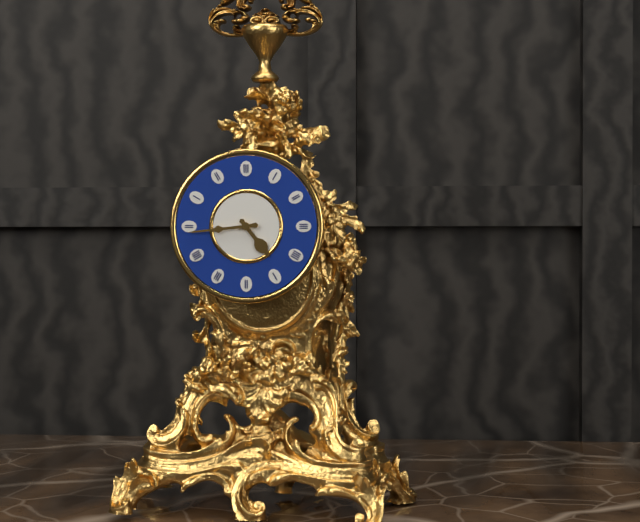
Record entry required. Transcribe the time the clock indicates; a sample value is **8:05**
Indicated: **4:44**
